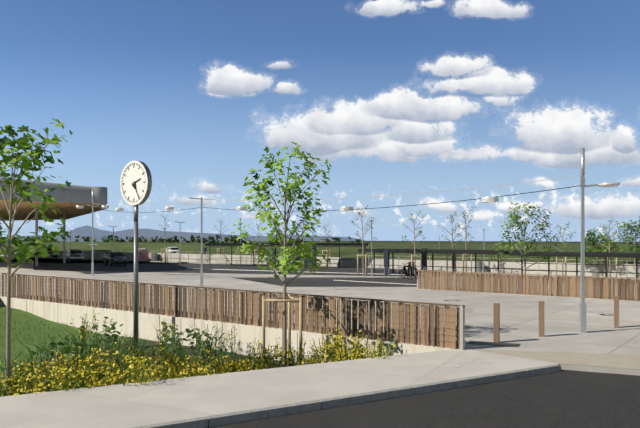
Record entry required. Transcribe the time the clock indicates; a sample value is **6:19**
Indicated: **2:25**
